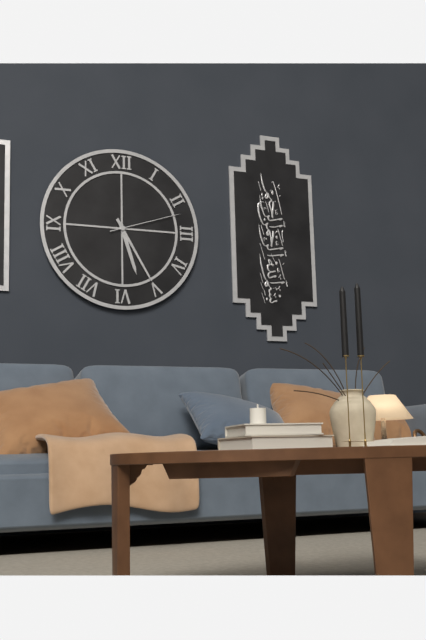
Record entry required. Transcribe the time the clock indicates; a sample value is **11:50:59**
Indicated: **5:25:12**
